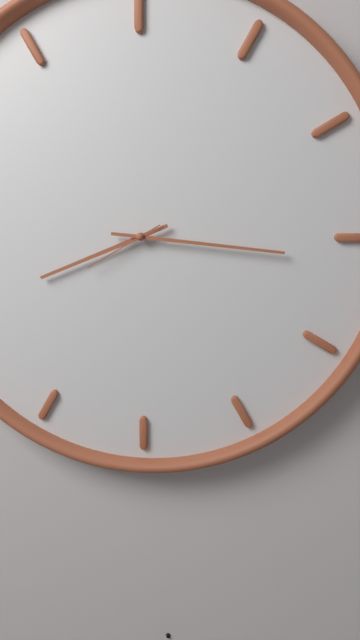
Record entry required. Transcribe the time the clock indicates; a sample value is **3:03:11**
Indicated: **8:16:40**
